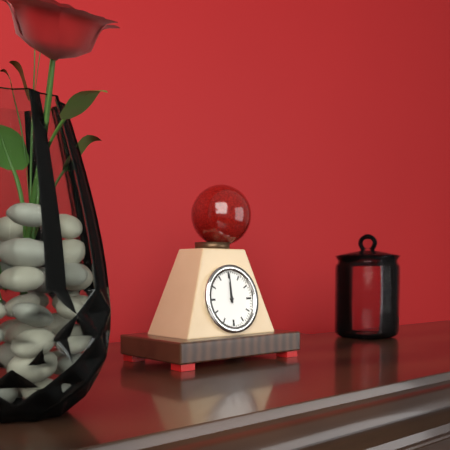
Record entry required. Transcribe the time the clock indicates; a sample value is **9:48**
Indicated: **12:00**
